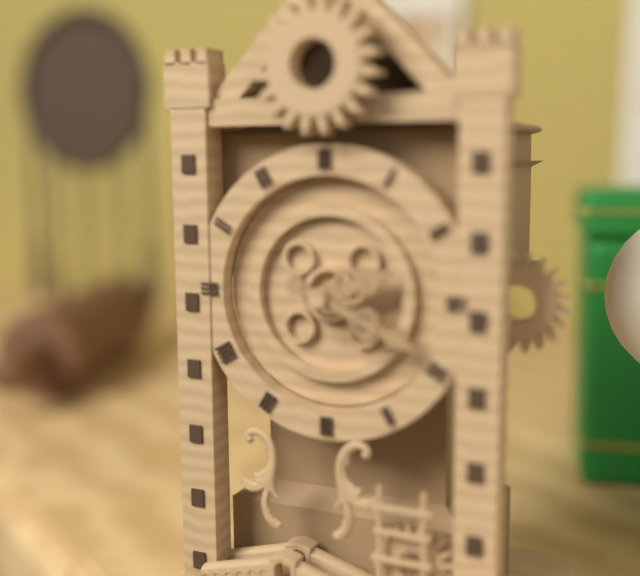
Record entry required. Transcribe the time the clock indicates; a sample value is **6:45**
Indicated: **2:19**
